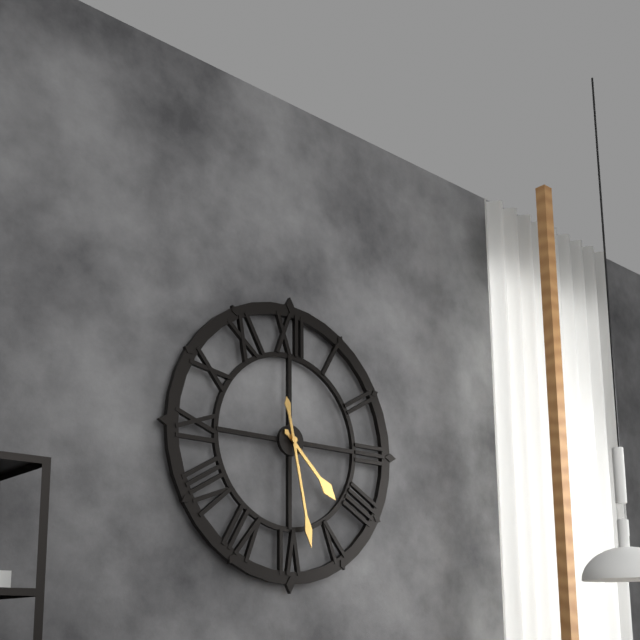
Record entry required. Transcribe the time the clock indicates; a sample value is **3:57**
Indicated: **4:28**
